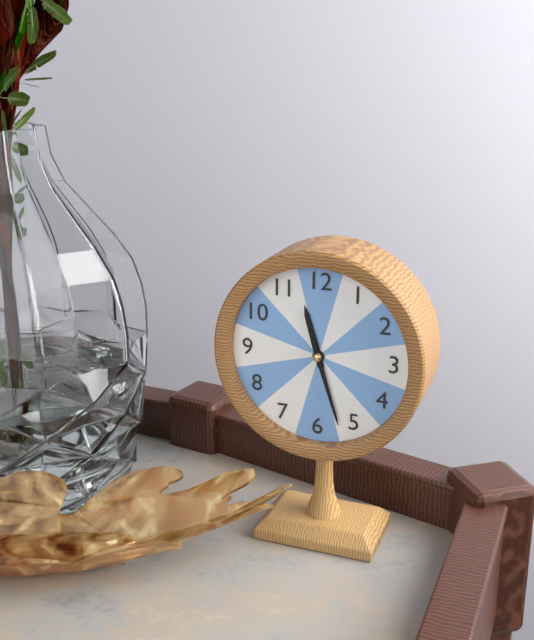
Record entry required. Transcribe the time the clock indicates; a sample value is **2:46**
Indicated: **11:27**
